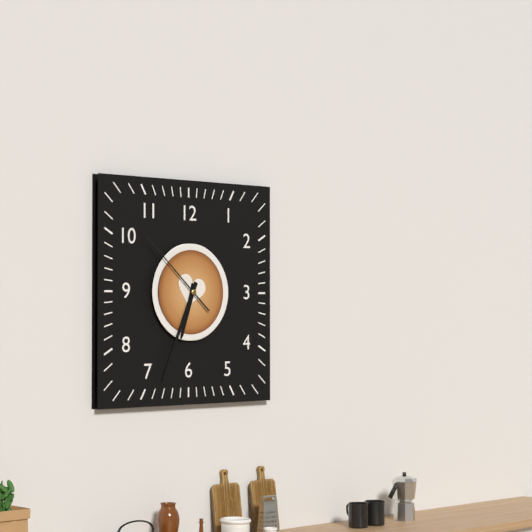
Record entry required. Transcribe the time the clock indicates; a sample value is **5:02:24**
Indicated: **6:34:52**
